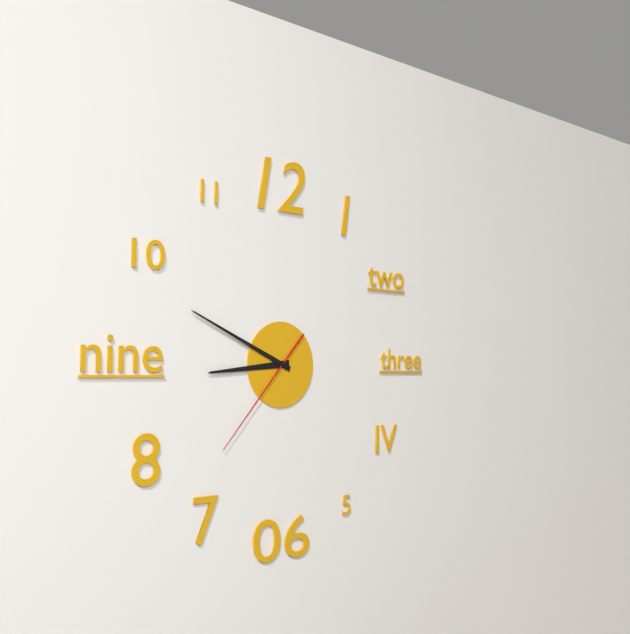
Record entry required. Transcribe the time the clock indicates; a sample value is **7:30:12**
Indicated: **8:49:37**
